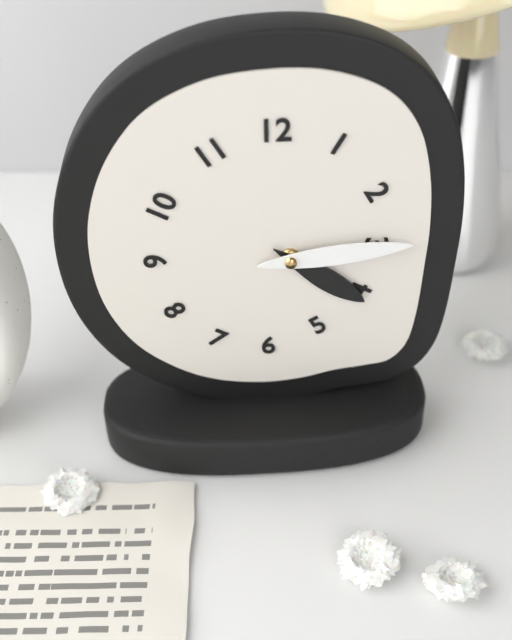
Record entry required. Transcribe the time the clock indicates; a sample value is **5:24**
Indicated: **4:14**
